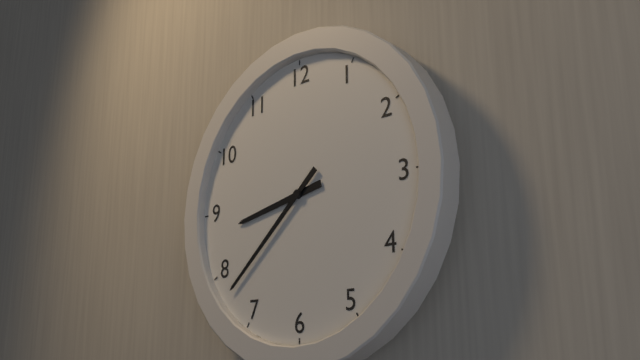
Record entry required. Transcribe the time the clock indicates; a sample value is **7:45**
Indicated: **8:38**
